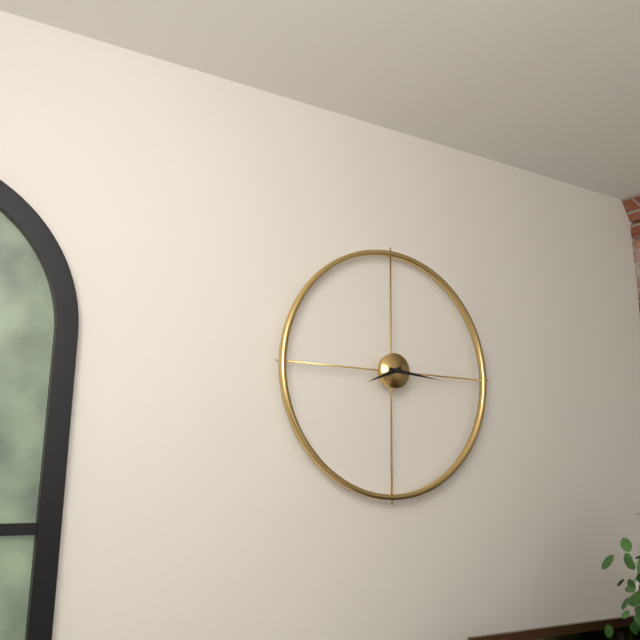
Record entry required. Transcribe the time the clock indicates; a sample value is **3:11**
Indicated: **8:16**
